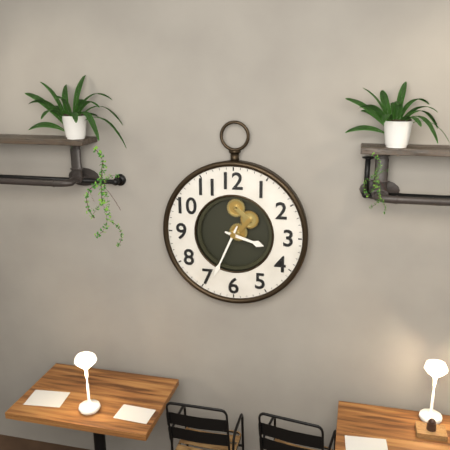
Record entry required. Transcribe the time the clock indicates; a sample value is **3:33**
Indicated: **3:34**
